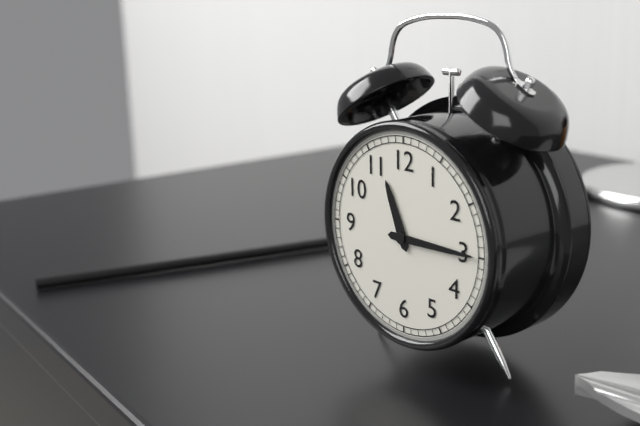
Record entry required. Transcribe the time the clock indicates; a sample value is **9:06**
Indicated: **11:15**
